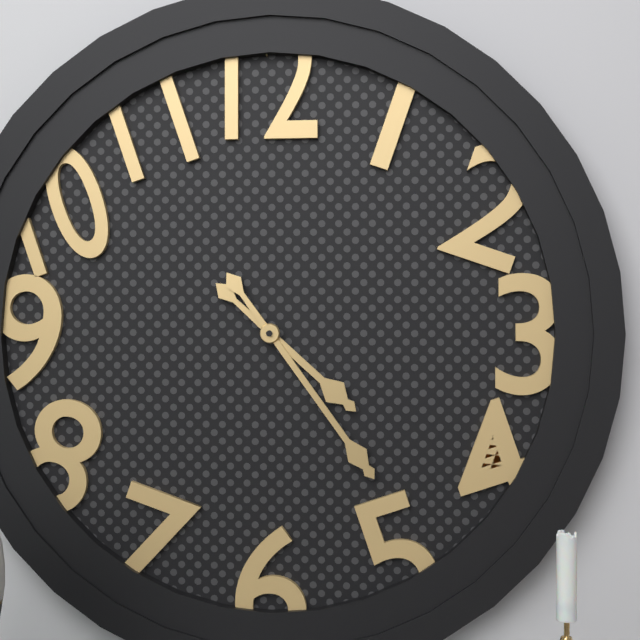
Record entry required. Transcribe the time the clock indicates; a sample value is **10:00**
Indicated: **4:24**
